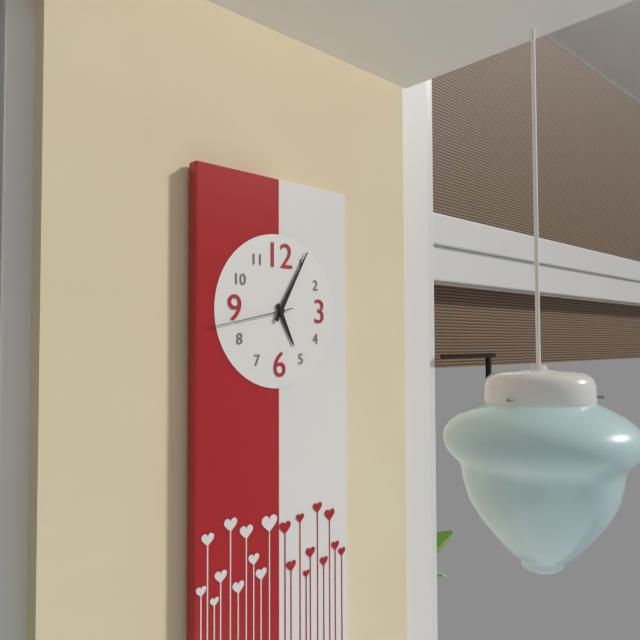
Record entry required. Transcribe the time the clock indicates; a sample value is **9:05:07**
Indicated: **5:05:43**
